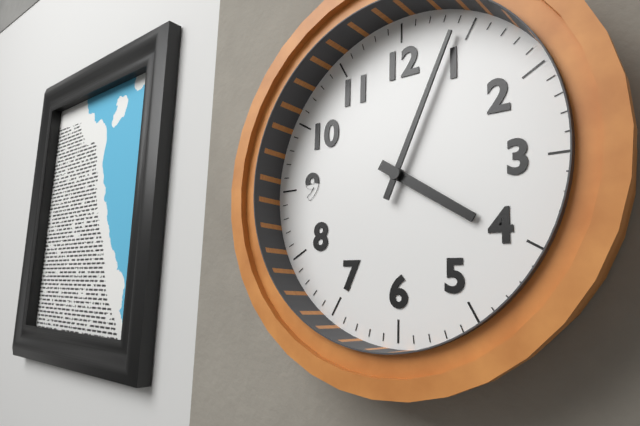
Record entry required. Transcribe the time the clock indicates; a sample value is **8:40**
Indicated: **4:04**
